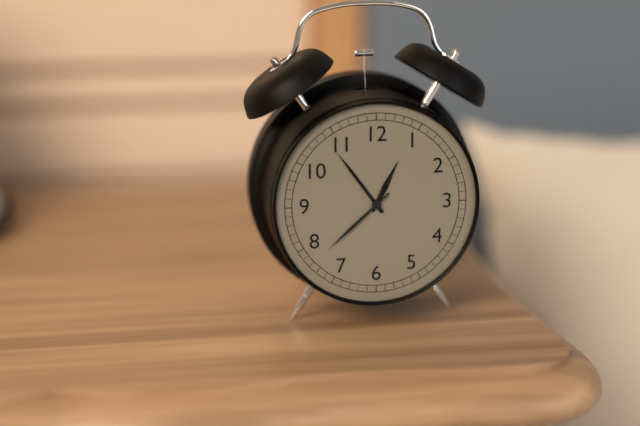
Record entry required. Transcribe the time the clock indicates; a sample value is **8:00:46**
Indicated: **12:54:38**
